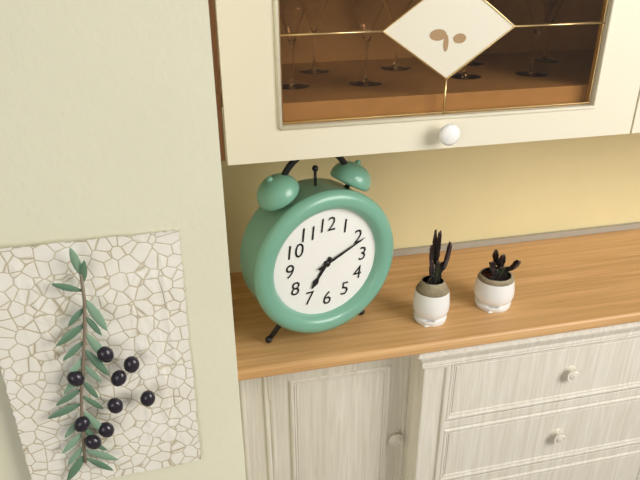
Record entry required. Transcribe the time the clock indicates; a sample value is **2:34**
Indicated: **7:11**
